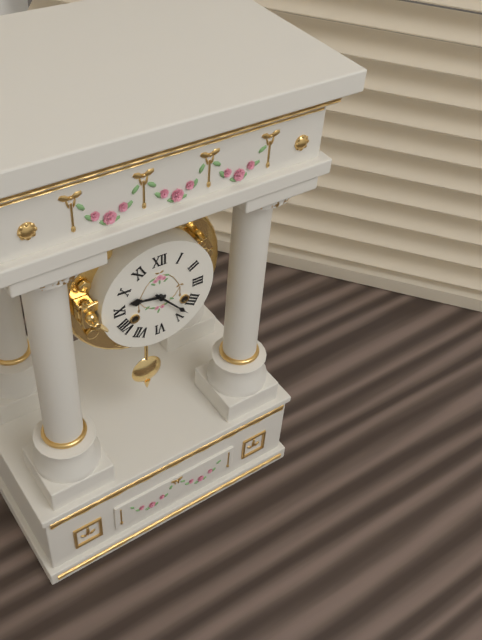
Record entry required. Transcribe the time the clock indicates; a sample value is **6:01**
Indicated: **9:23**
